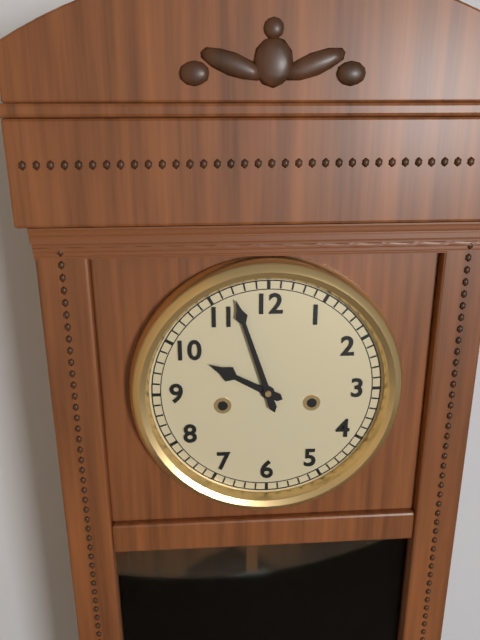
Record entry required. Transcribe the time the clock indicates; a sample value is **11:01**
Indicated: **9:57**
